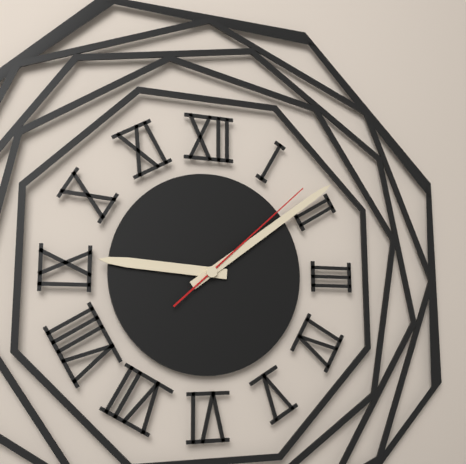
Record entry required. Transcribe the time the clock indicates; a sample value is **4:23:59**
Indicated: **9:09:08**
